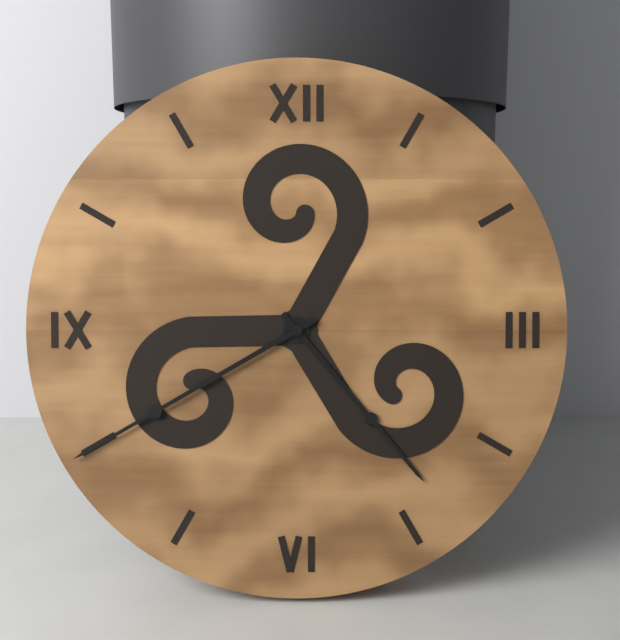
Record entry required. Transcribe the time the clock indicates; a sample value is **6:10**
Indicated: **4:40**
